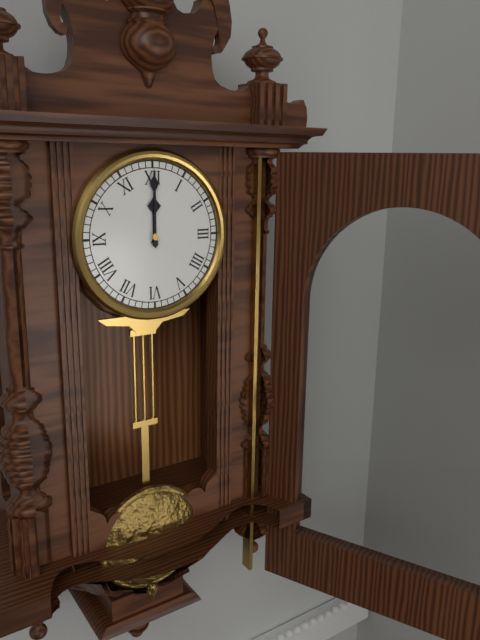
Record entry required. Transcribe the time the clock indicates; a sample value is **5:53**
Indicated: **12:00**
